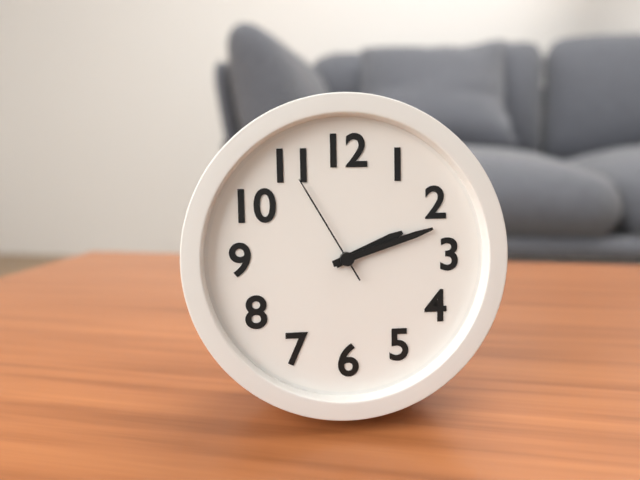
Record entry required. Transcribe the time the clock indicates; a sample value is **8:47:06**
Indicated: **2:12:55**
